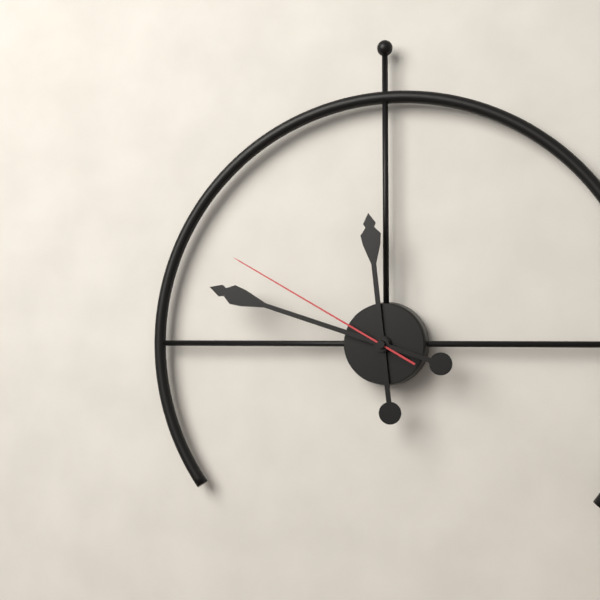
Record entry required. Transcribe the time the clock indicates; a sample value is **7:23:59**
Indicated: **11:48:50**
